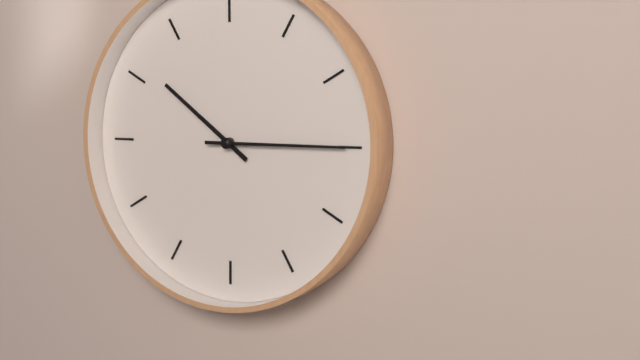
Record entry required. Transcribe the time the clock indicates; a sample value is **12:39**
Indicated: **10:15**
